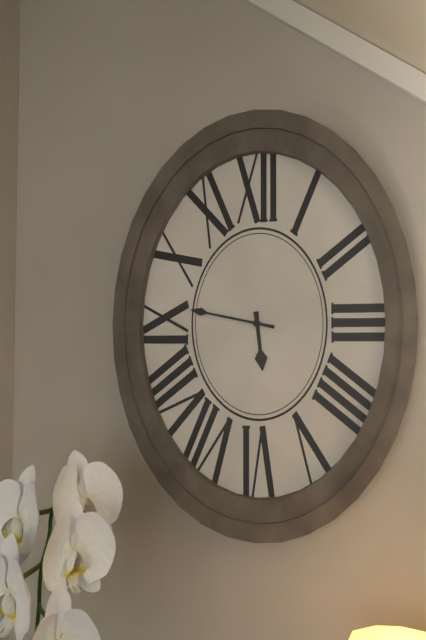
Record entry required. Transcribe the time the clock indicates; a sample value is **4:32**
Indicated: **5:47**
